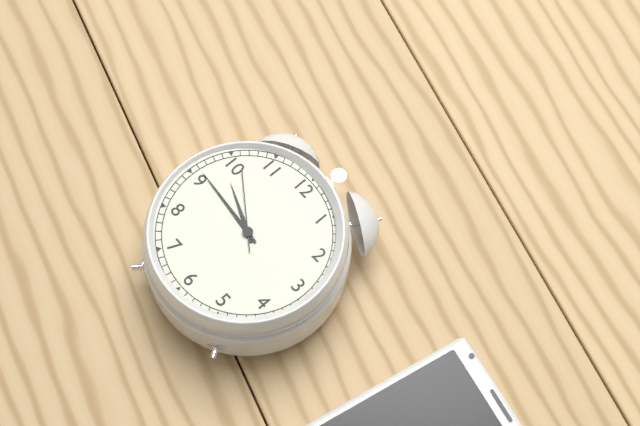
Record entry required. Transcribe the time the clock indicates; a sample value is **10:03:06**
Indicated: **9:46:51**
